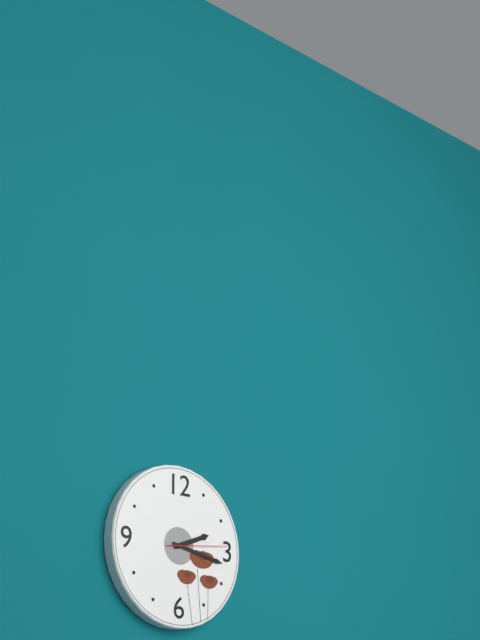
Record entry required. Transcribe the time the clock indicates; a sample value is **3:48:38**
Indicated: **2:17:14**
